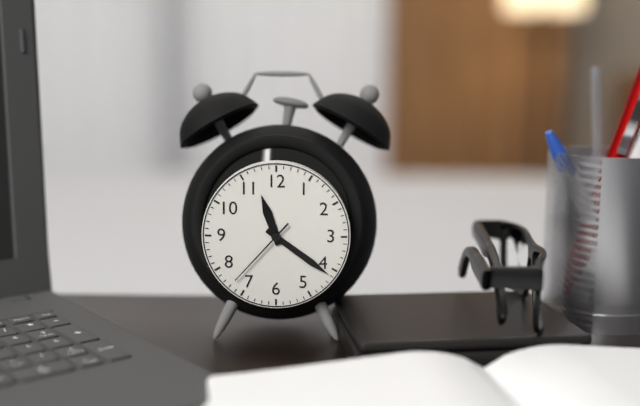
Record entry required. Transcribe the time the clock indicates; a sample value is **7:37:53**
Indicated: **11:21:37**
